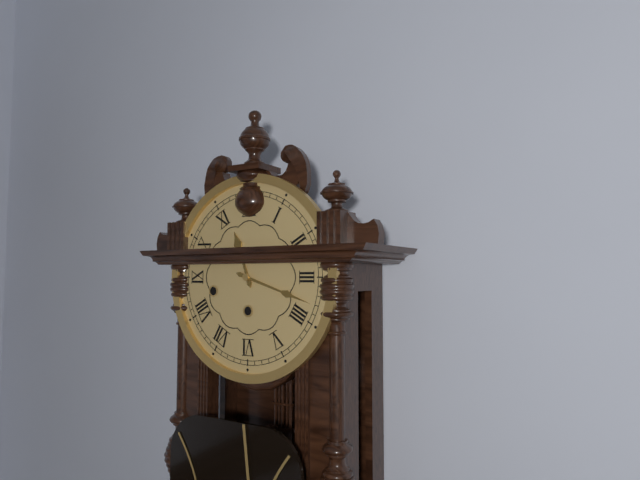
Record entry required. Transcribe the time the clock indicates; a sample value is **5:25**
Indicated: **11:18**
